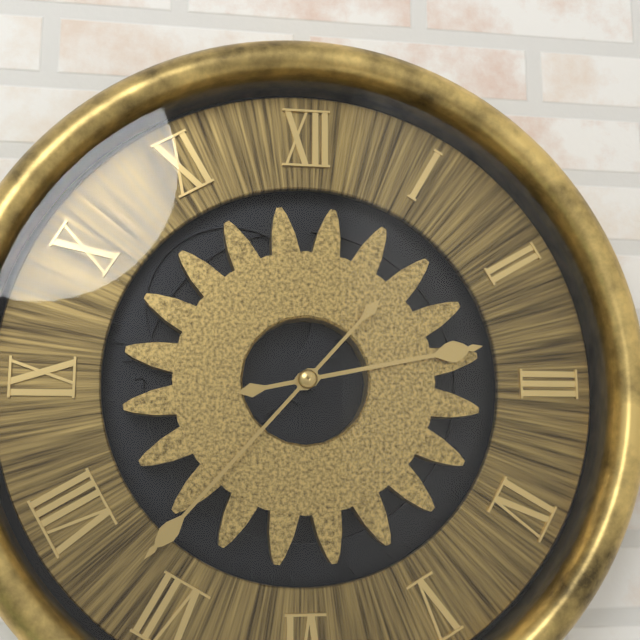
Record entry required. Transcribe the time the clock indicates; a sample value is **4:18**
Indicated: **2:37**
